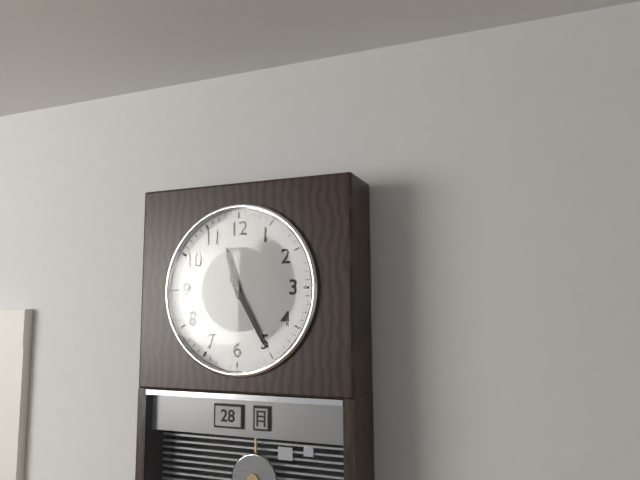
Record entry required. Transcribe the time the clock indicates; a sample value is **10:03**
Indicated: **11:25**
